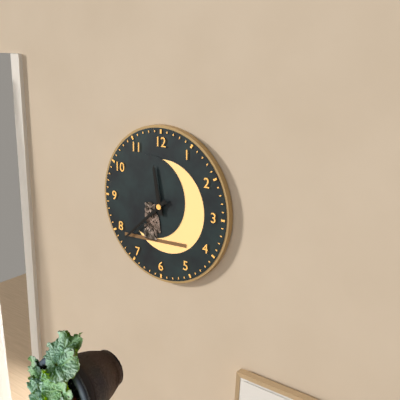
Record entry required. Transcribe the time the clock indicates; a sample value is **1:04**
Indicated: **11:38**
